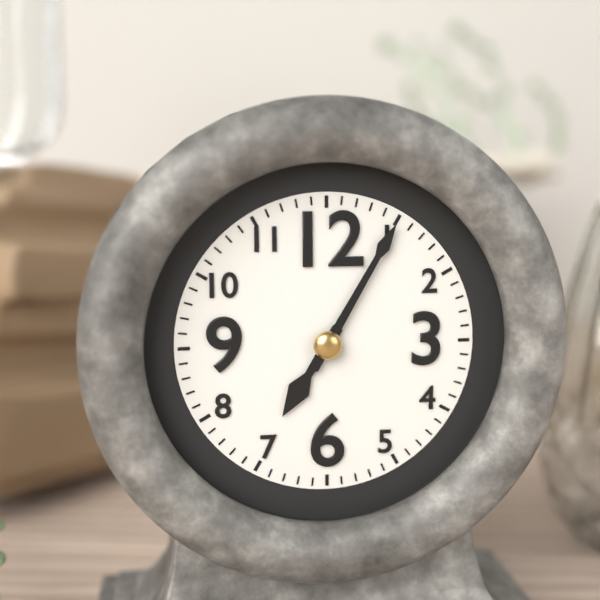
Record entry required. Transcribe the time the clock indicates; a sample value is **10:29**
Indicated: **7:05**
